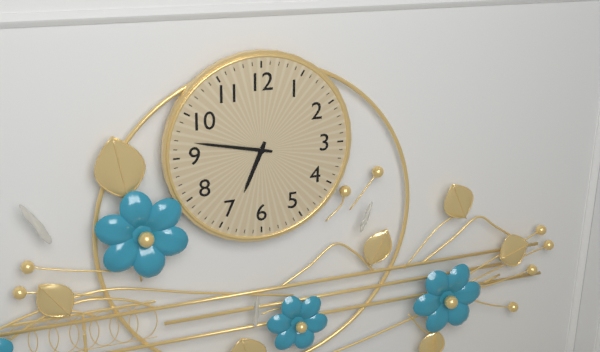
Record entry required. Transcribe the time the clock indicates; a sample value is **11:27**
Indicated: **6:47**
